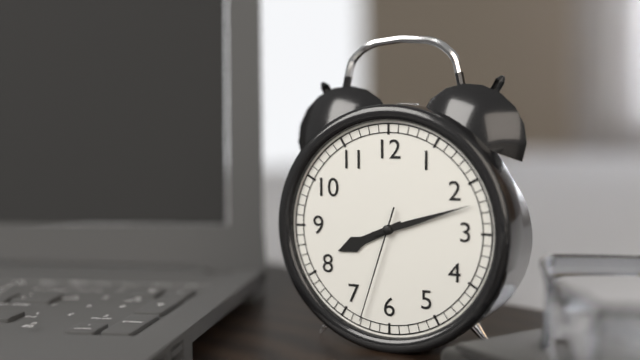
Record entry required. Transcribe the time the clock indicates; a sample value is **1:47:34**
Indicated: **8:12:33**
